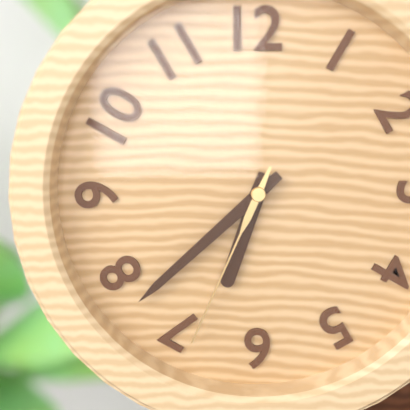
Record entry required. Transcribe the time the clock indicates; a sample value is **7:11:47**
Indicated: **6:38:34**
